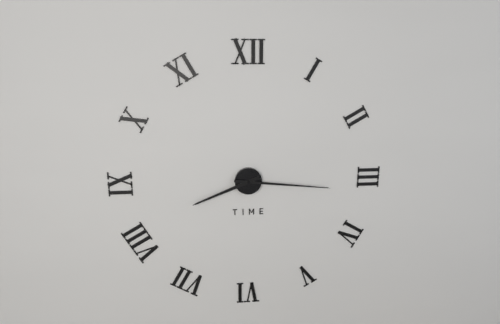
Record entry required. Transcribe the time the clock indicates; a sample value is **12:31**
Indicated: **8:16**
